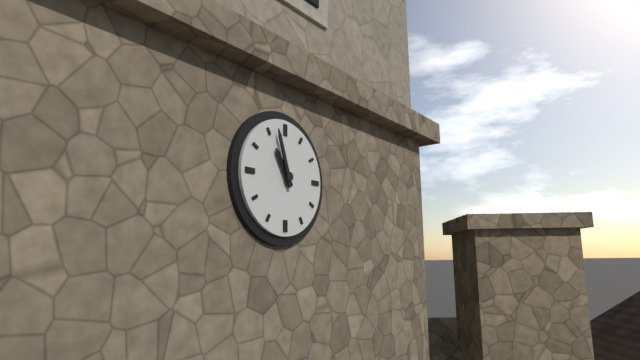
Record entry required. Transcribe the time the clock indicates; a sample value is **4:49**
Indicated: **10:57**
